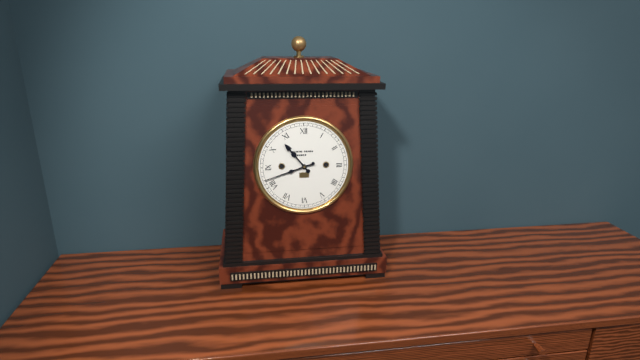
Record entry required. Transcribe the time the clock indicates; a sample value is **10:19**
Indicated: **10:42**
